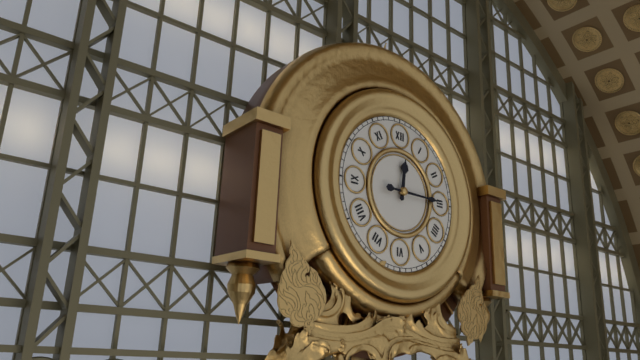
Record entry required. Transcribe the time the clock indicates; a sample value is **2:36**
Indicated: **12:15**
